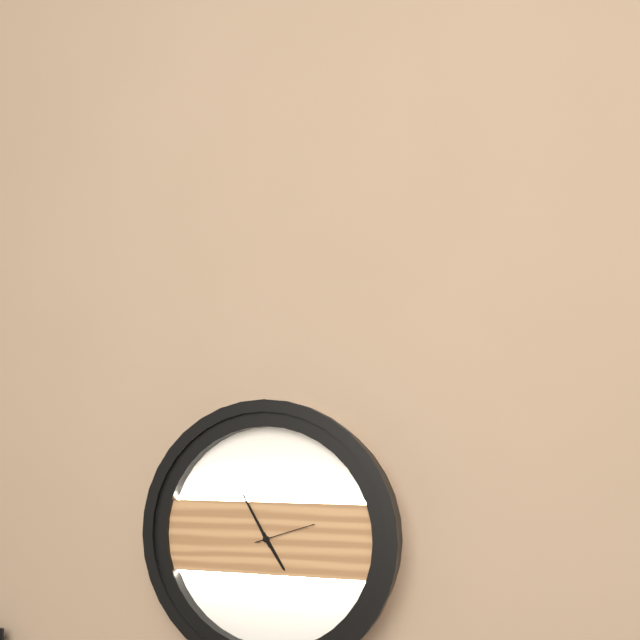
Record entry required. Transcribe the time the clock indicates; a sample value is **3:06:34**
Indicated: **4:55:12**
